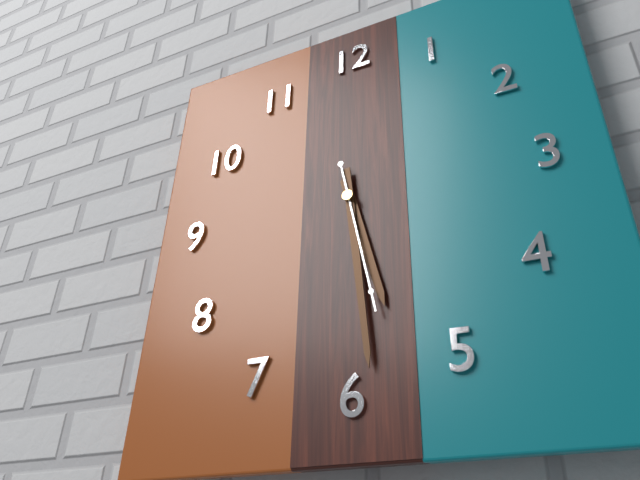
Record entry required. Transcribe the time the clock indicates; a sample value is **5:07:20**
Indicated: **5:29:28**
